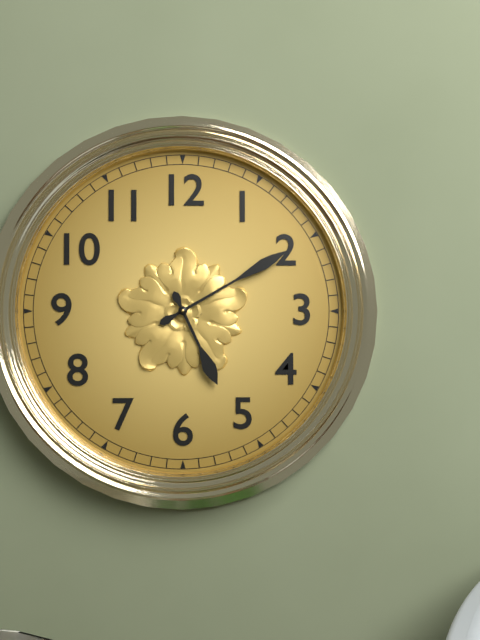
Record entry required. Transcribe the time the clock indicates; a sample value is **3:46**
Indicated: **5:10**
